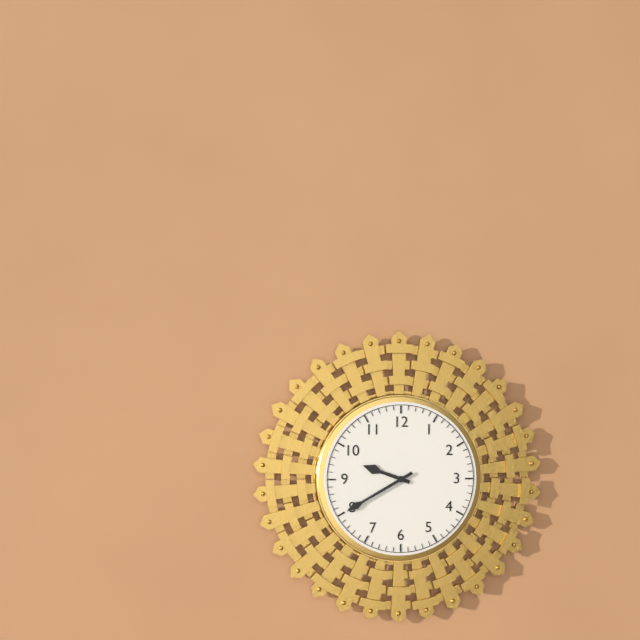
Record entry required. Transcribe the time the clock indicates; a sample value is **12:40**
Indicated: **9:40**
